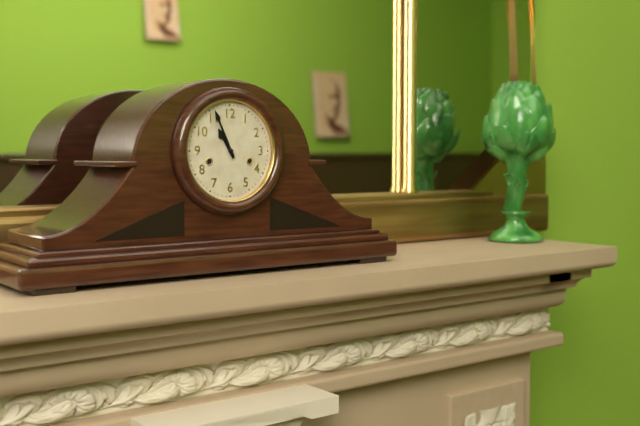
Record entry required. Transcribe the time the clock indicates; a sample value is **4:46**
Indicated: **10:56**
